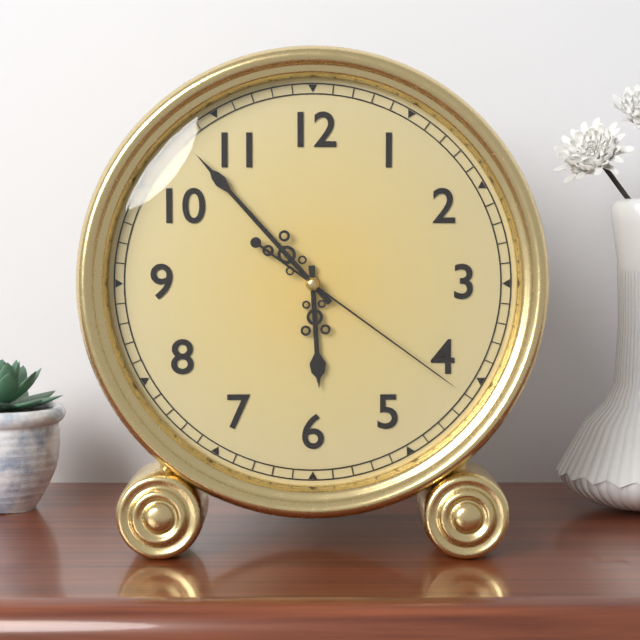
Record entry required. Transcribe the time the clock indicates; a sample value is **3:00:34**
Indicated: **5:53:21**
